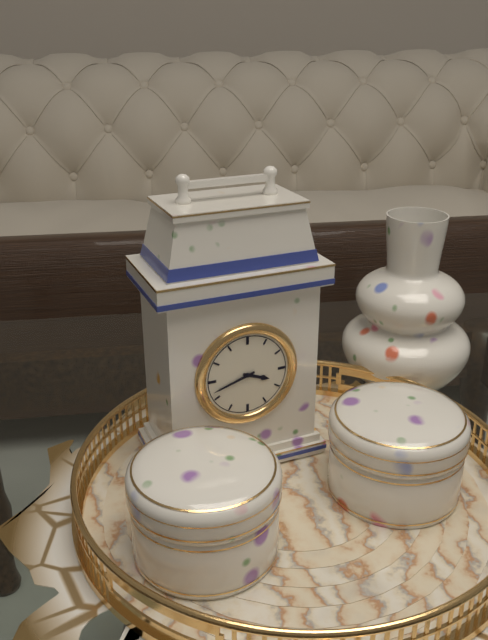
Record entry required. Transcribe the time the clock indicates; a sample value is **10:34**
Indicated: **3:42**
